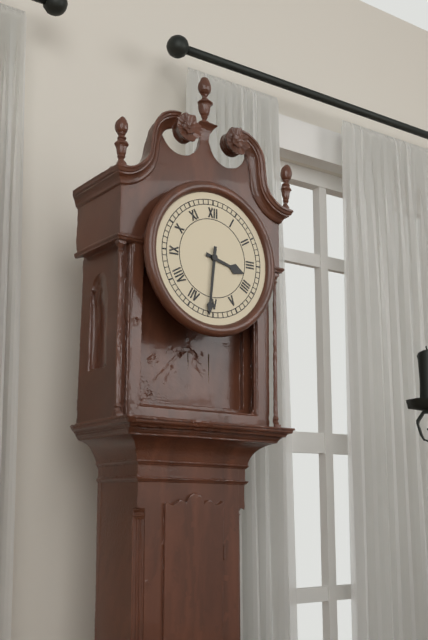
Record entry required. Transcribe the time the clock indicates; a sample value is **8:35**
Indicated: **3:31**
